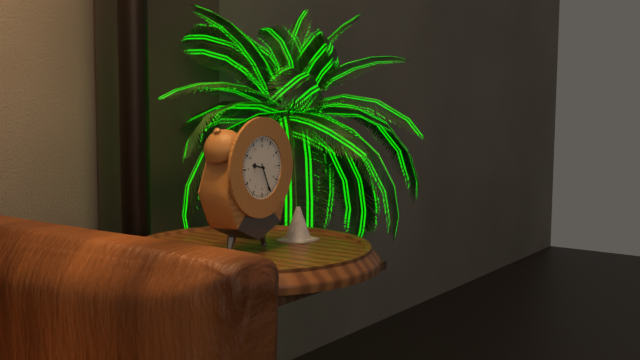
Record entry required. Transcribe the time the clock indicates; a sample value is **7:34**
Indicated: **9:26**
